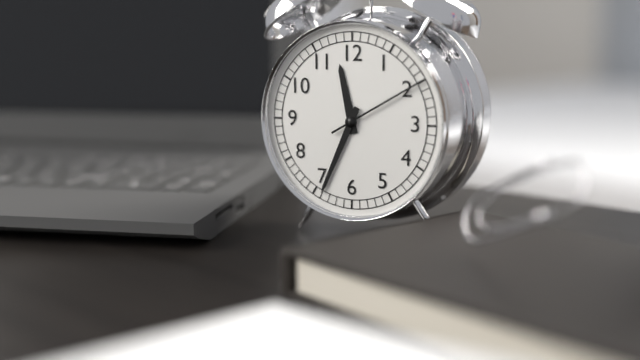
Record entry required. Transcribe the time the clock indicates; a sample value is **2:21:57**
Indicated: **11:34:10**
